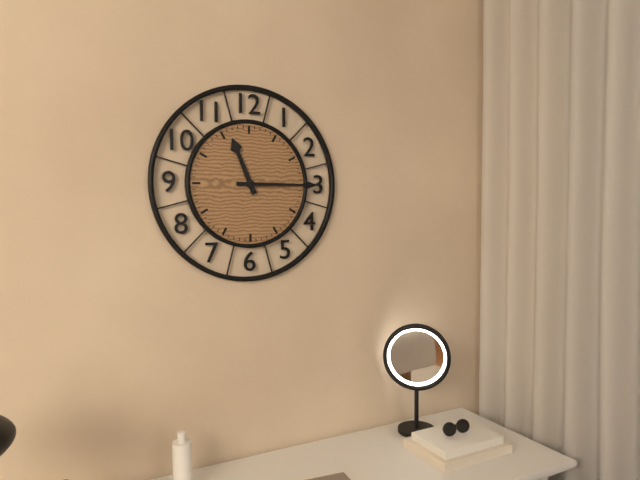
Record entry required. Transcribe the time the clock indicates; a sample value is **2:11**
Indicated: **11:15**
